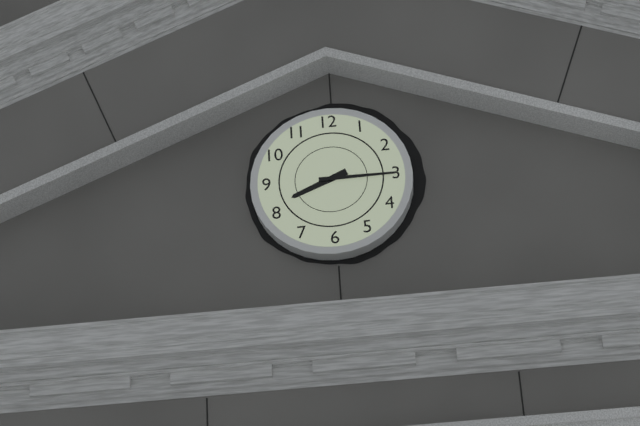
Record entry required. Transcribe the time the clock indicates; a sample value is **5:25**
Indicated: **8:15**
